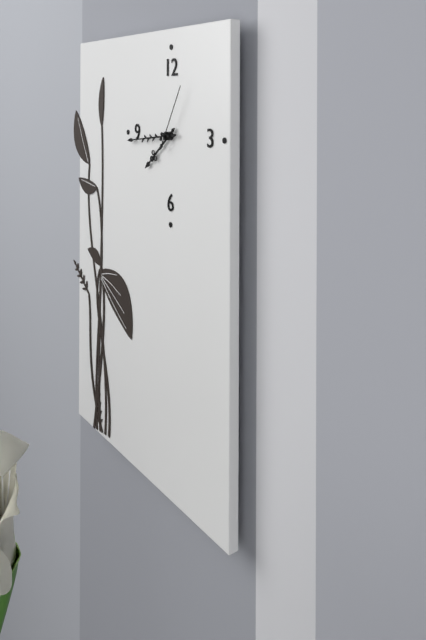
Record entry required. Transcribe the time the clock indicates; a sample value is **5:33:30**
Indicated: **7:44:05**
